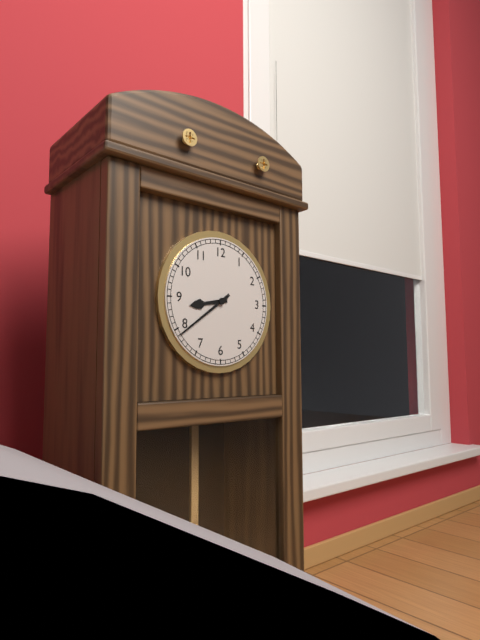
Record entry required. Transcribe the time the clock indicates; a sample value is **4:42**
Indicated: **8:39**
